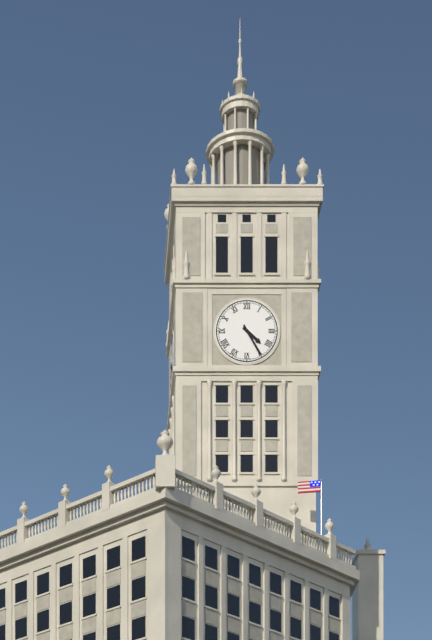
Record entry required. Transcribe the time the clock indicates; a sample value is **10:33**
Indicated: **4:25**
